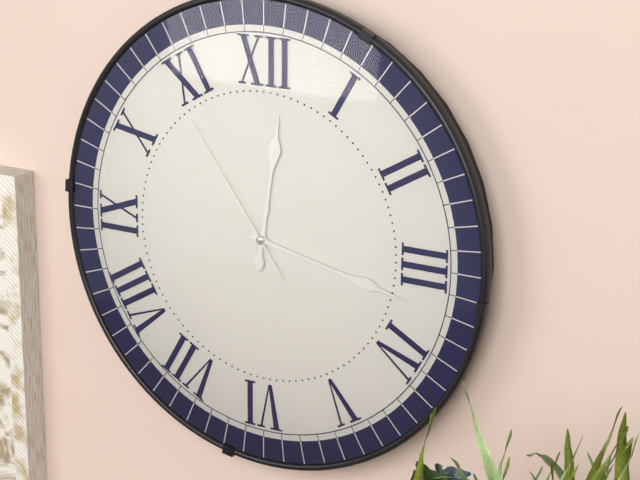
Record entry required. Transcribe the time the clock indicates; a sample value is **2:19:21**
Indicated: **12:17:54**
